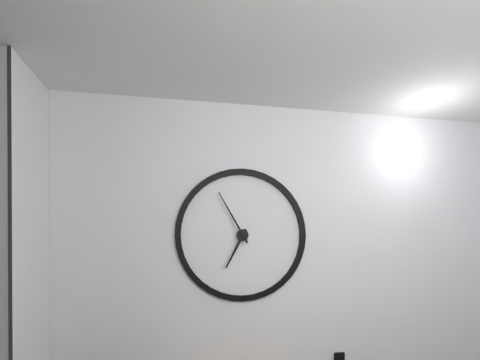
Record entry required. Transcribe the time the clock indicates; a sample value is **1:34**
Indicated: **6:55**
